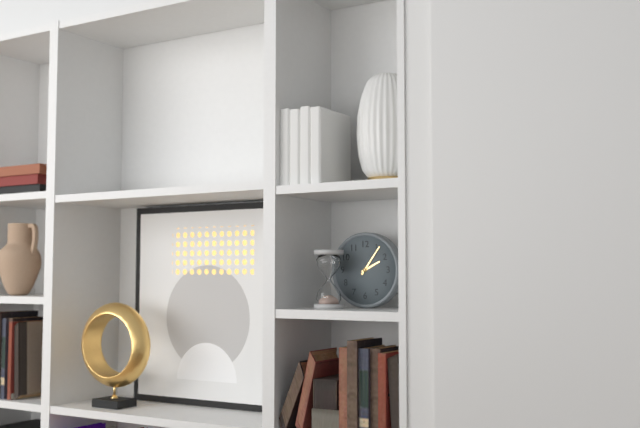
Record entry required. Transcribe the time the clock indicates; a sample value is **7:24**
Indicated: **2:06**
